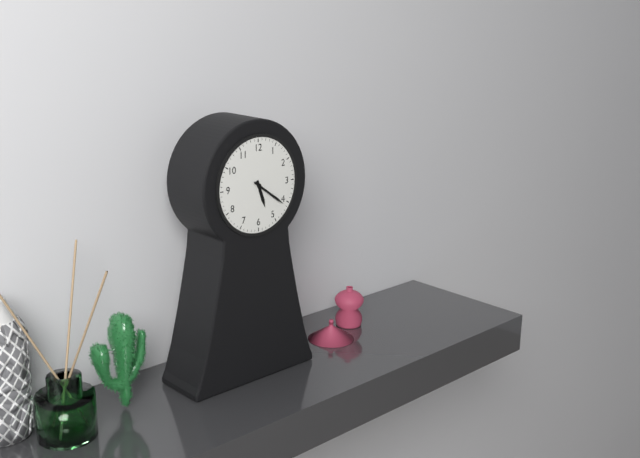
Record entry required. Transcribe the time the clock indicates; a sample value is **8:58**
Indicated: **5:21**
